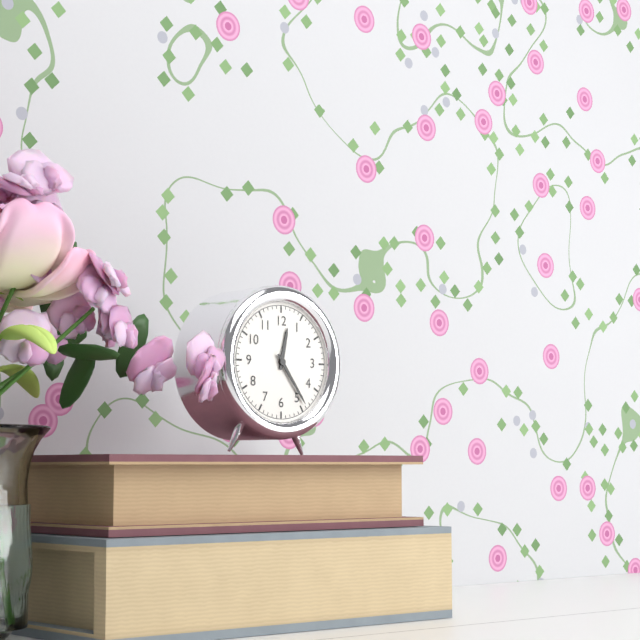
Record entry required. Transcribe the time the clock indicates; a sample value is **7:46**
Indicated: **12:24**
